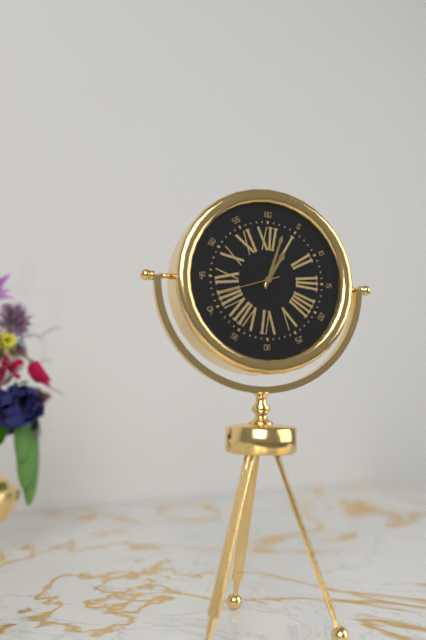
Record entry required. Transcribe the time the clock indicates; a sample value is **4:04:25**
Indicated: **1:03:42**
